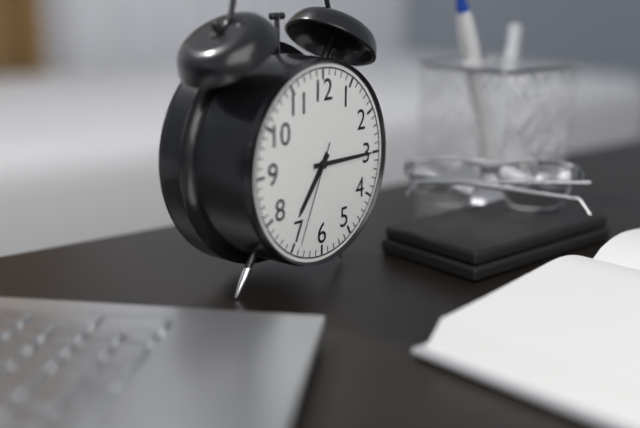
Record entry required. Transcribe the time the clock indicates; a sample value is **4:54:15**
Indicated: **7:15:34**
